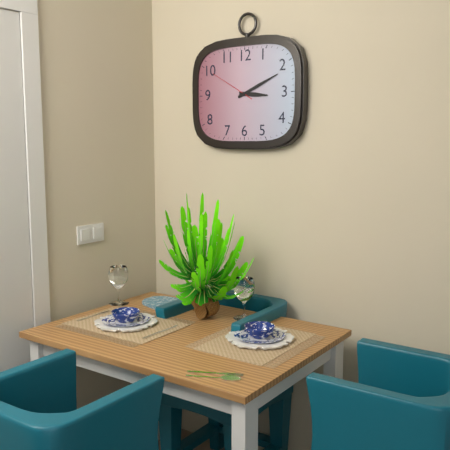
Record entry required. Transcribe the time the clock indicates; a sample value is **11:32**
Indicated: **3:11**
